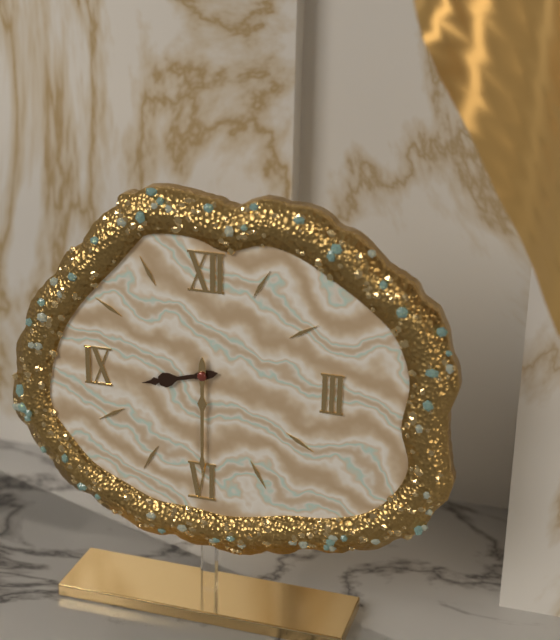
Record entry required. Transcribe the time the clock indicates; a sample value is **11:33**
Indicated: **8:30**
